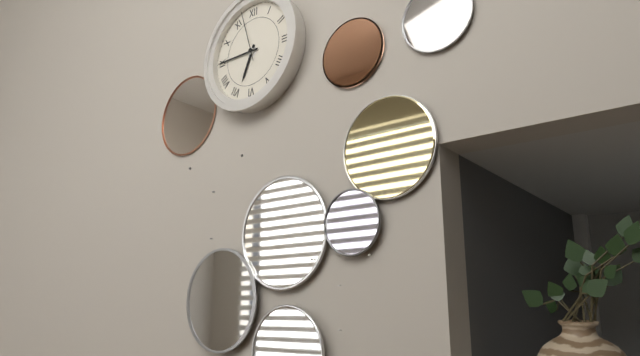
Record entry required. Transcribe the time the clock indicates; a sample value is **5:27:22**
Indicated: **6:45:57**
